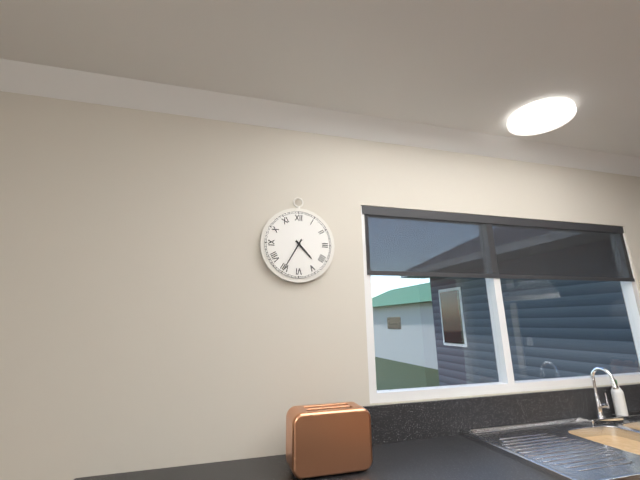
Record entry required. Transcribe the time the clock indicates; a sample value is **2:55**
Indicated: **4:35**
